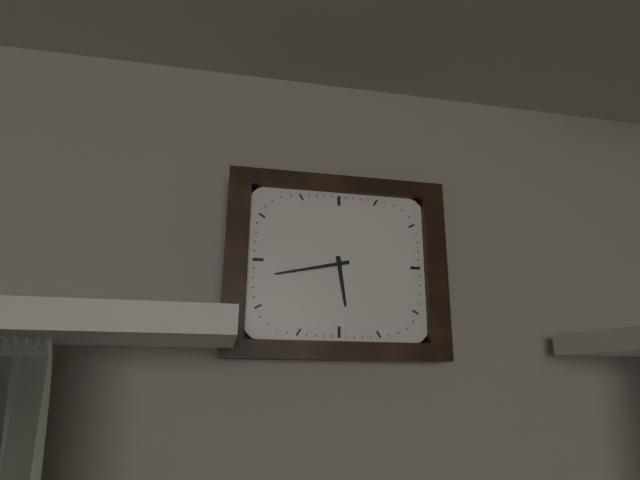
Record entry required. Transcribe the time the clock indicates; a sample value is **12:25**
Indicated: **5:43**
